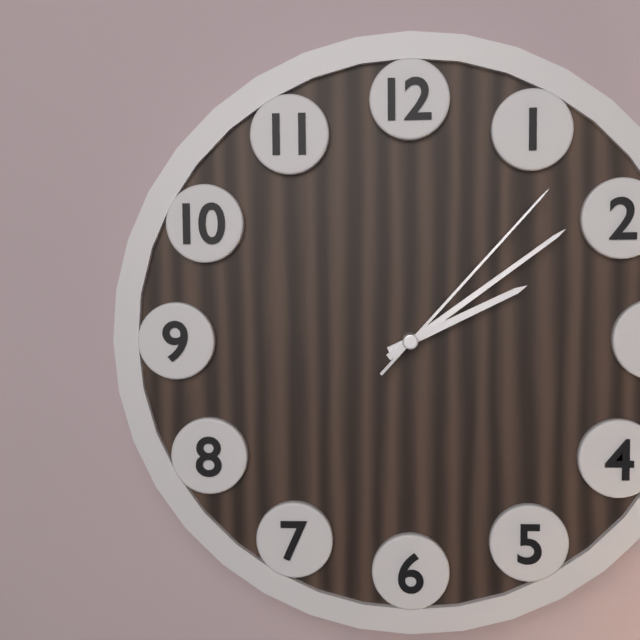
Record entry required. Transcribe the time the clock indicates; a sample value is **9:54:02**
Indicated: **2:09:07**
